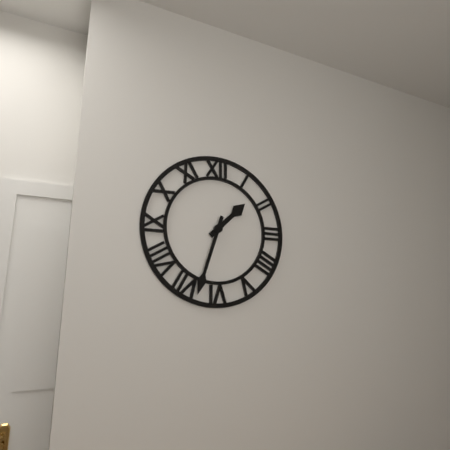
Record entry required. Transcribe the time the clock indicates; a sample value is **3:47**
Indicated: **1:33**
